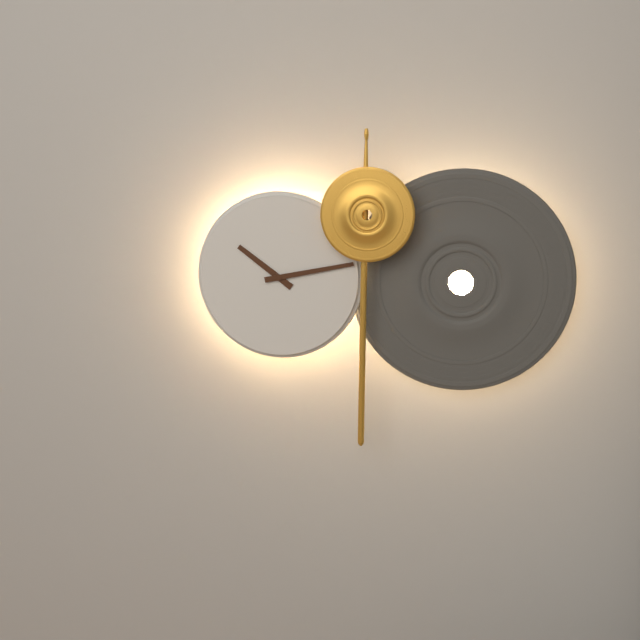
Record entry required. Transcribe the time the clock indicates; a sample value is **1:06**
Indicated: **10:13**
